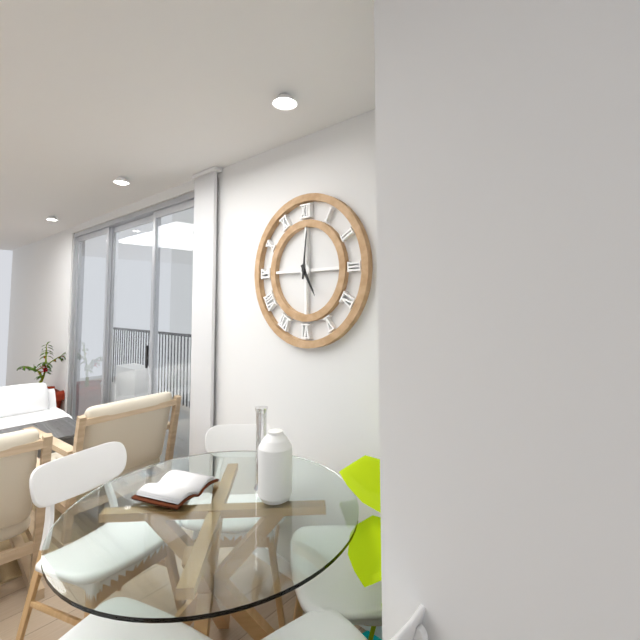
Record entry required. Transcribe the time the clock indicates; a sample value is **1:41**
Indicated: **5:01**
